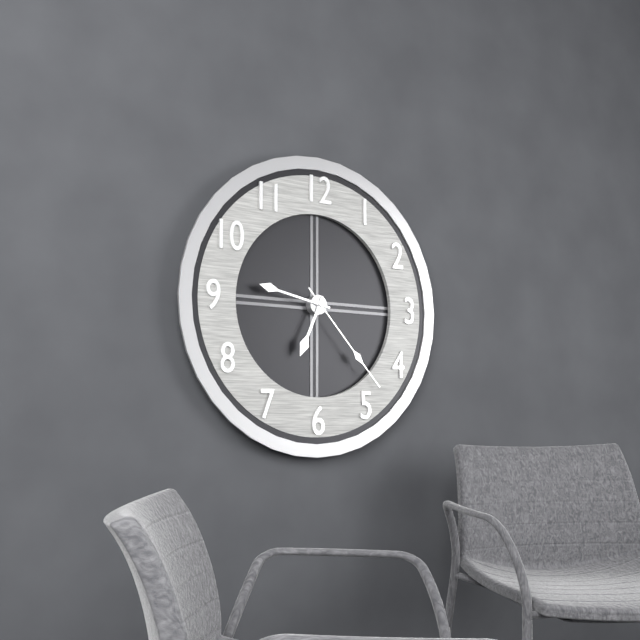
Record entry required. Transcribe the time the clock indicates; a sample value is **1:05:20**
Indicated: **6:47:23**
